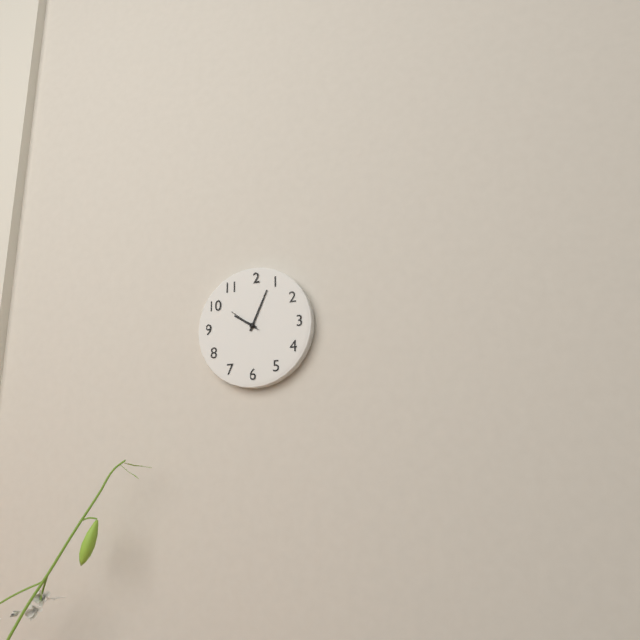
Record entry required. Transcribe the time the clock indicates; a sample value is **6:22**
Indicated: **10:04**
